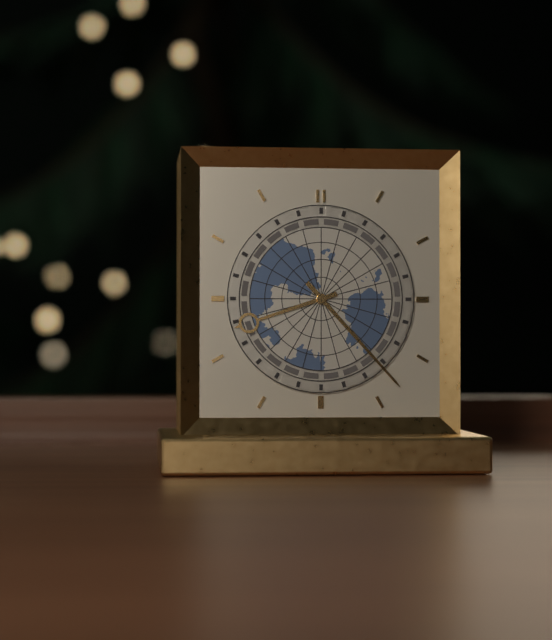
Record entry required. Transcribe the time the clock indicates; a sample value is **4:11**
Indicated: **8:23**
